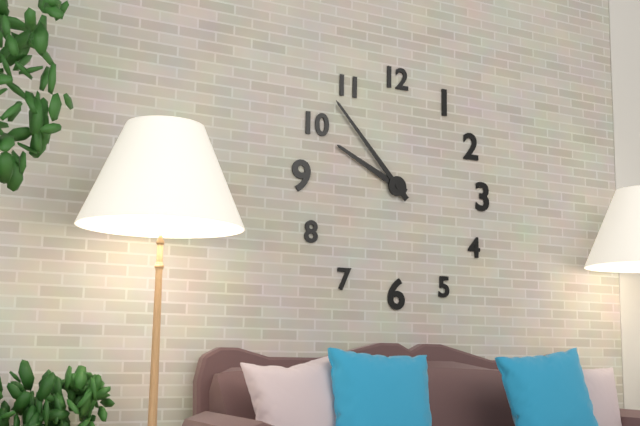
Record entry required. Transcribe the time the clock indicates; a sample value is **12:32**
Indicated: **9:53**
